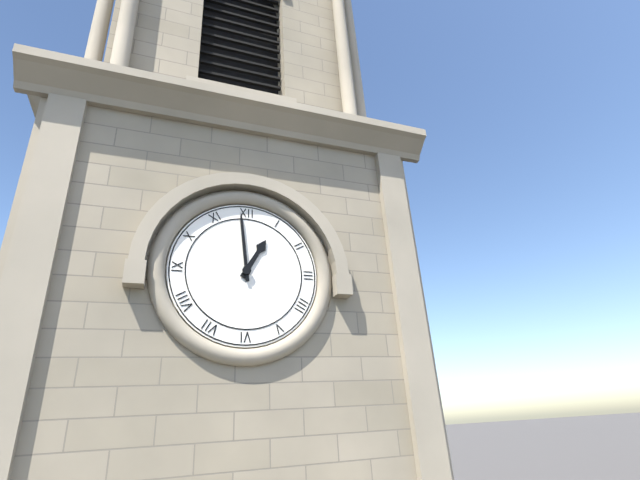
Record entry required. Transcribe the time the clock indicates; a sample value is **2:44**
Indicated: **12:59**
